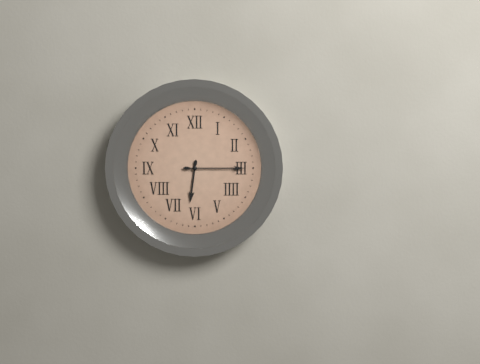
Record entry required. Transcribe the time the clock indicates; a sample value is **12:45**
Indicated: **6:15**
